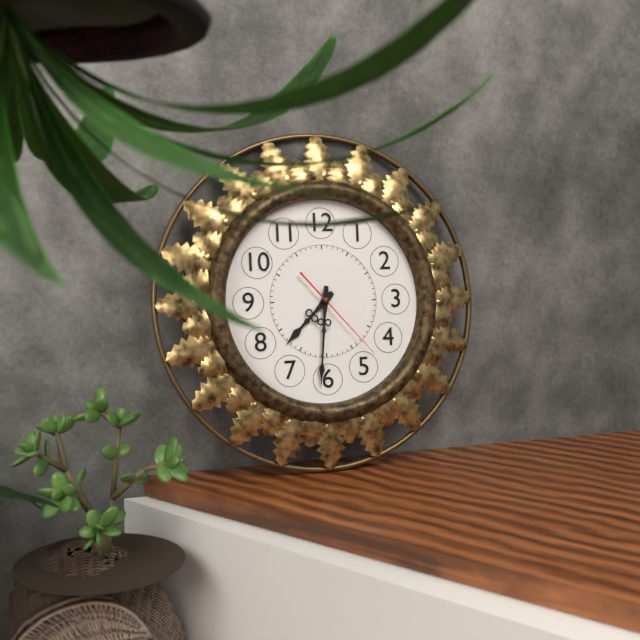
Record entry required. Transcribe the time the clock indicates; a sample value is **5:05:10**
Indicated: **7:31:23**
